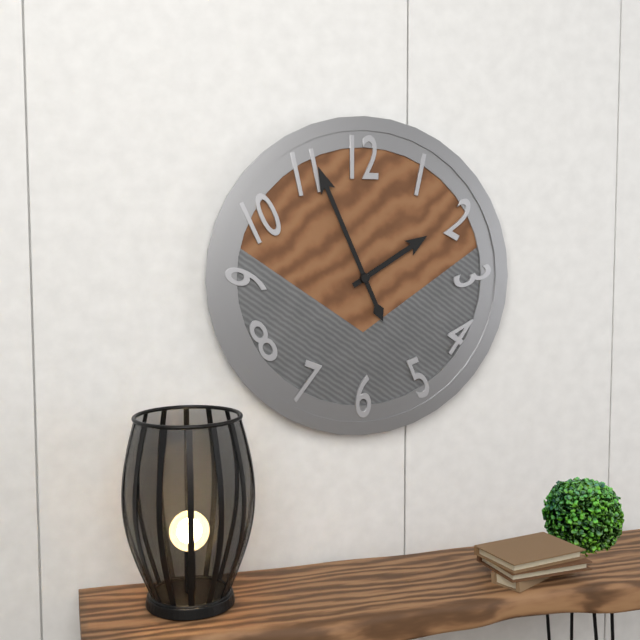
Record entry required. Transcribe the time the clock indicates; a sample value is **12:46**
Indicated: **1:56**
